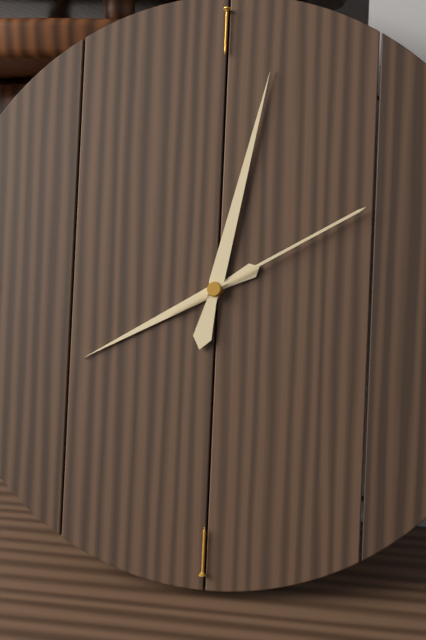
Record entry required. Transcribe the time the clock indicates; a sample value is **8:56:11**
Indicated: **8:02:10**
